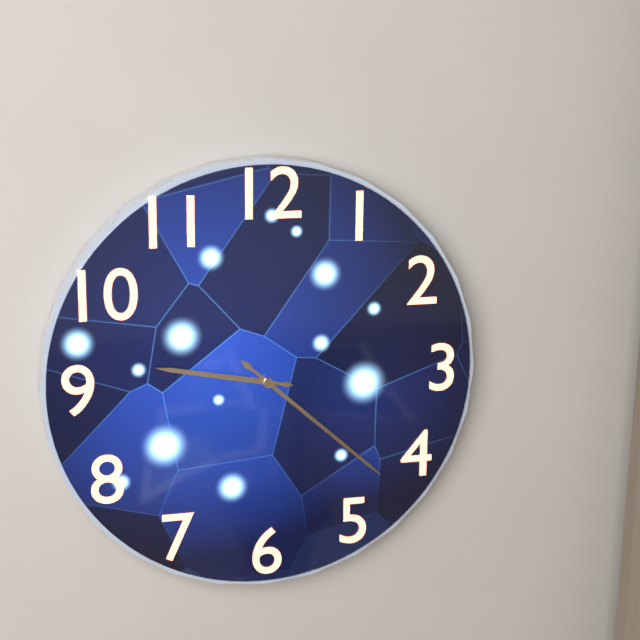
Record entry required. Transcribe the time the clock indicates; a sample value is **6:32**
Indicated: **9:22**
